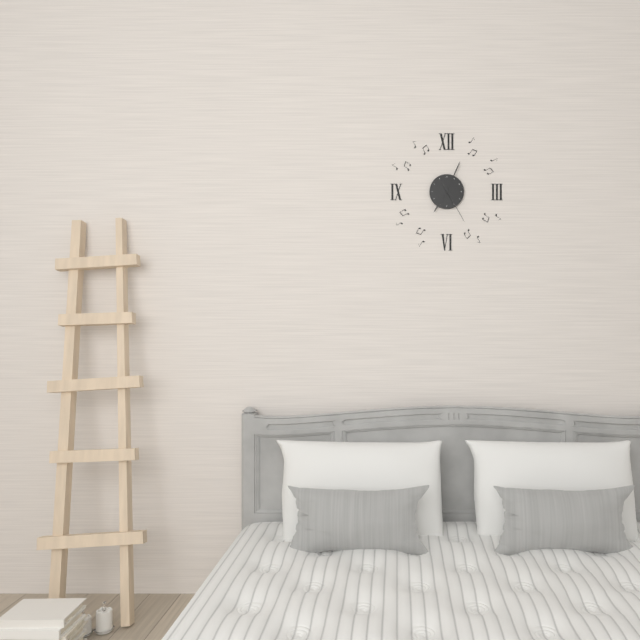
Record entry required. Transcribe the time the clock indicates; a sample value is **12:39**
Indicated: **7:04**
